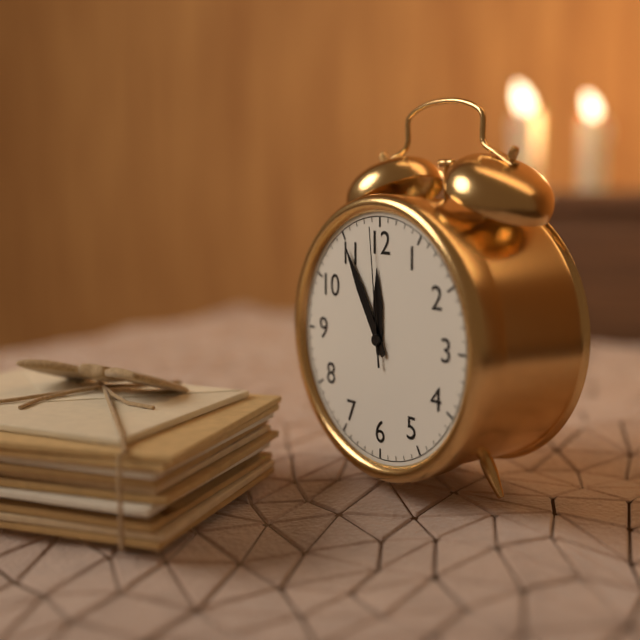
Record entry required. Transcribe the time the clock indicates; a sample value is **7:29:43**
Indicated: **11:55:59**
